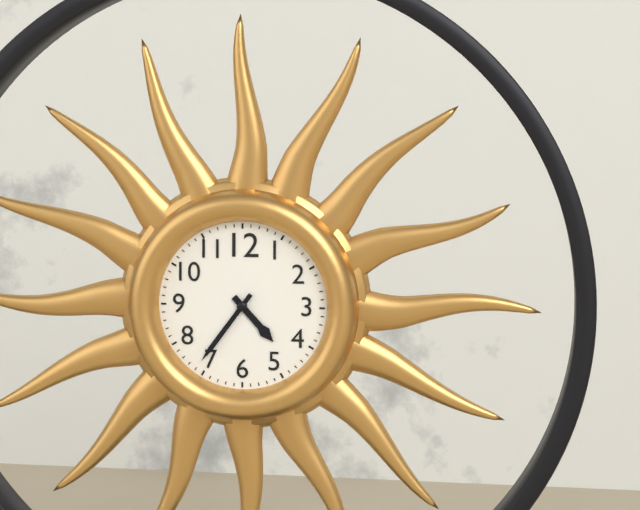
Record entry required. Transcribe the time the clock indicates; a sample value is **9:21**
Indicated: **4:36**
